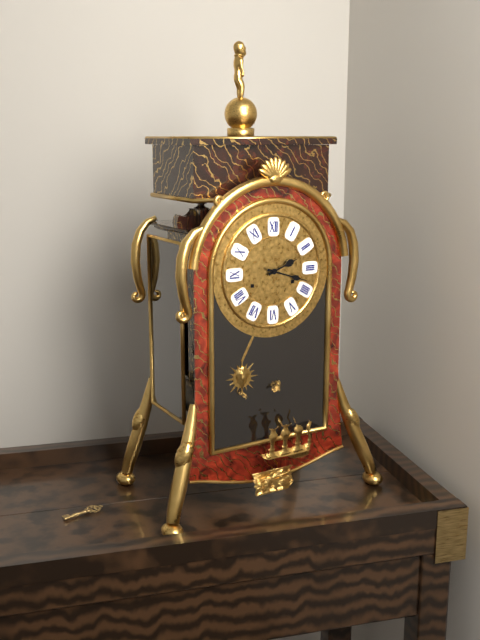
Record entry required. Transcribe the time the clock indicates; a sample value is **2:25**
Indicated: **2:18**
